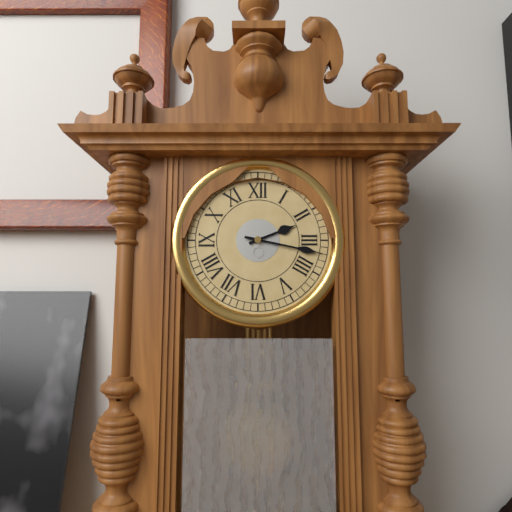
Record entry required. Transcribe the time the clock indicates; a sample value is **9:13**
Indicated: **2:17**
